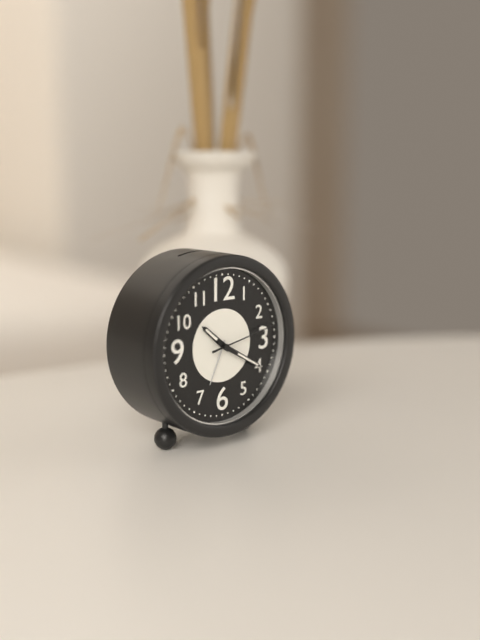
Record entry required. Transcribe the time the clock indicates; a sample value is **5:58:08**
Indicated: **10:20:13**
